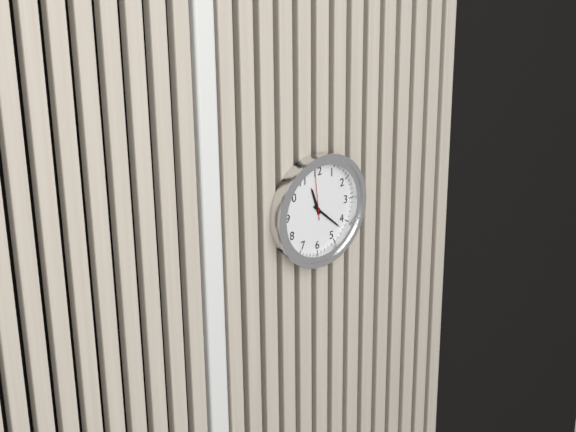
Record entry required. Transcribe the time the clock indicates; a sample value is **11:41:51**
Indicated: **11:22:59**
